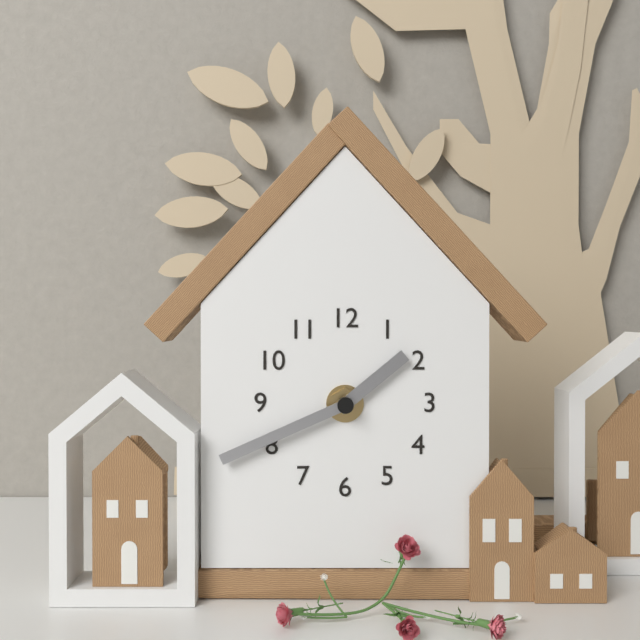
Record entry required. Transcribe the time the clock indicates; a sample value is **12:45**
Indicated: **1:41**
